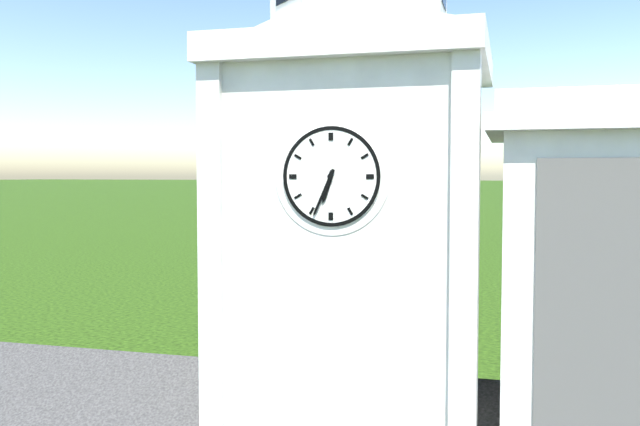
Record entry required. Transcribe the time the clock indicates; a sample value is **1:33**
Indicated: **6:34**
